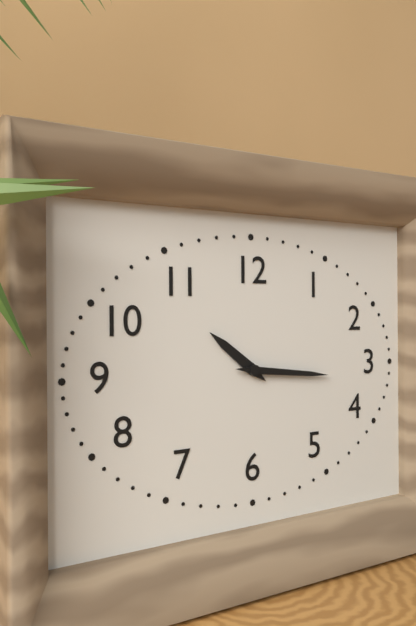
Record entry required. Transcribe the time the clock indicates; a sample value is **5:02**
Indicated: **10:16**
